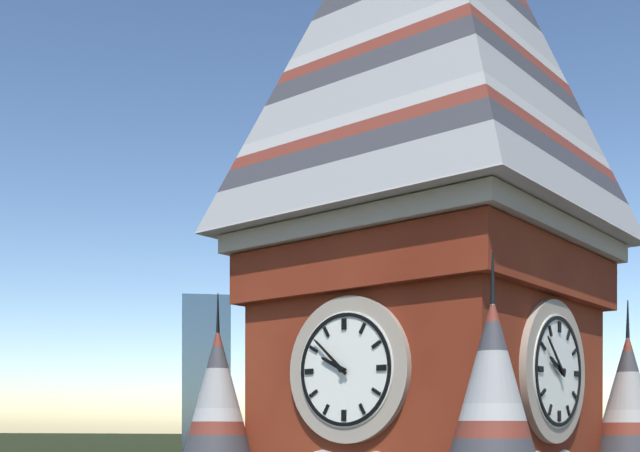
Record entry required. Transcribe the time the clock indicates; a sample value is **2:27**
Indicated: **9:52**
